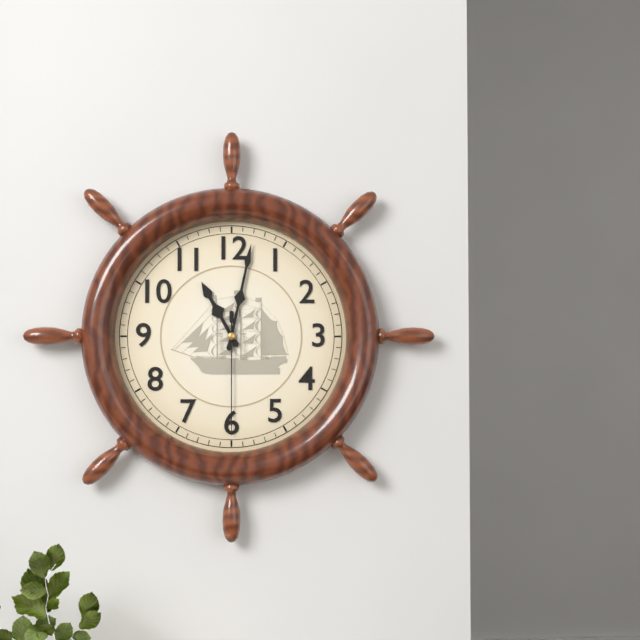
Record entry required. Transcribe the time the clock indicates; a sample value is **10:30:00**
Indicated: **11:02:30**
